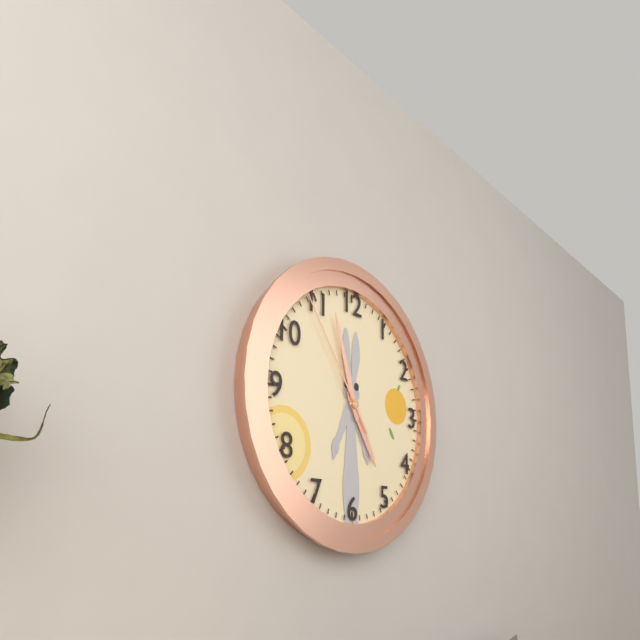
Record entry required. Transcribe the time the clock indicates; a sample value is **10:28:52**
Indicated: **4:57:54**
